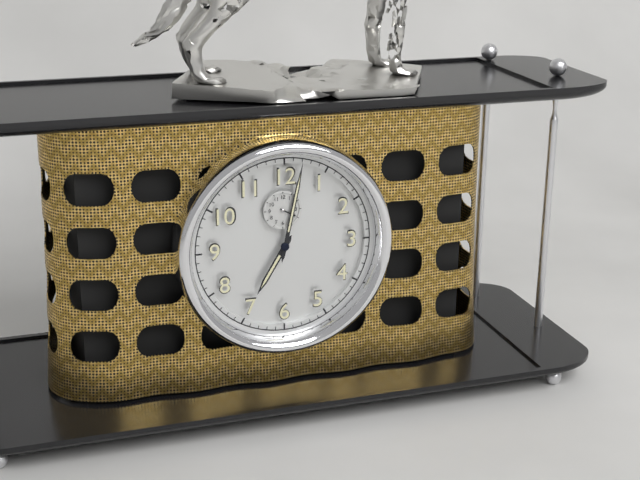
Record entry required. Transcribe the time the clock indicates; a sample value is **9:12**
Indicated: **7:02**
